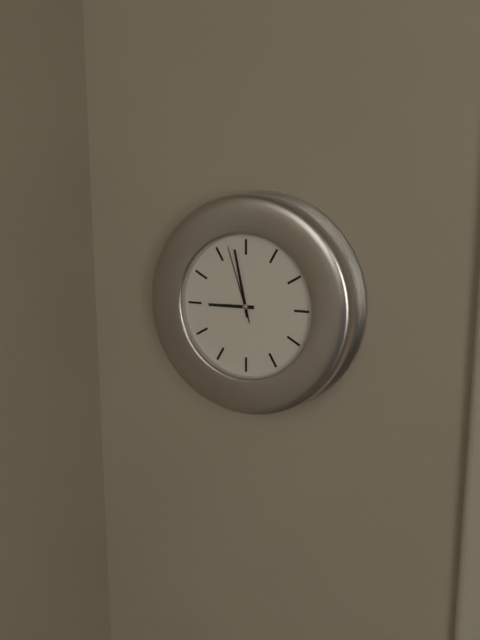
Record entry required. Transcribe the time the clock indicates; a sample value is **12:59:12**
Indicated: **8:58:57**
